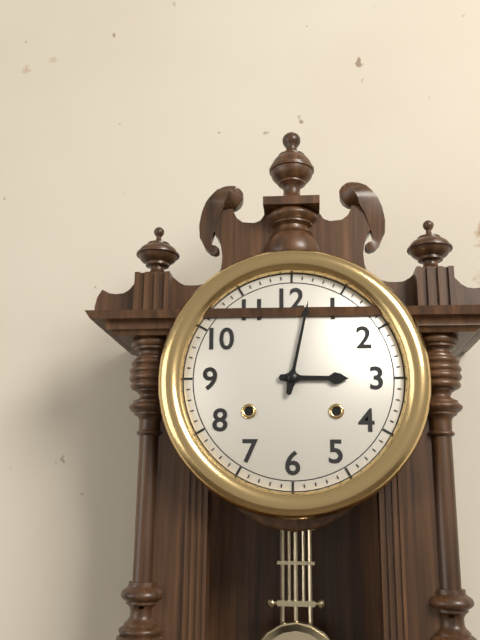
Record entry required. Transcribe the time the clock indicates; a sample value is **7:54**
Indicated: **3:02**
